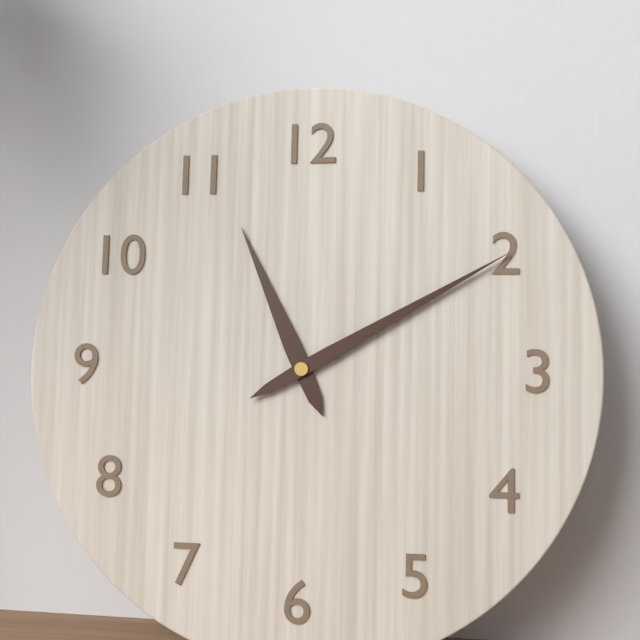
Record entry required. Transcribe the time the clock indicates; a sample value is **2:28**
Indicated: **11:10**
